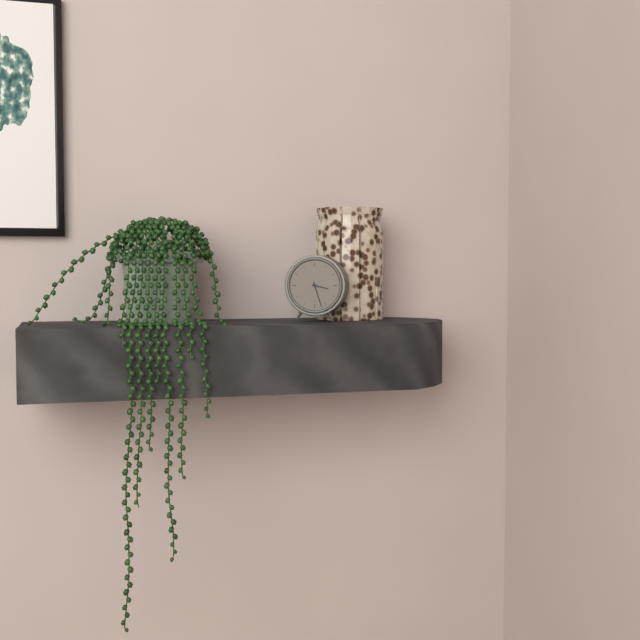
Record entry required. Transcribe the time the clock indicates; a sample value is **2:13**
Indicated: **3:27**
